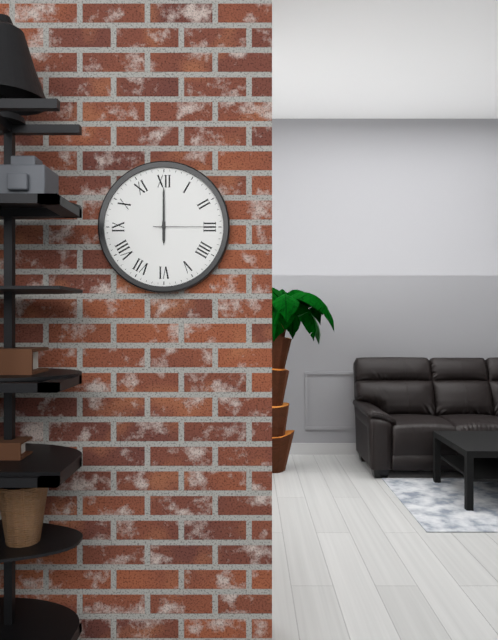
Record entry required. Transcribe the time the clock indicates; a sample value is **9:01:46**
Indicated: **6:00:15**
